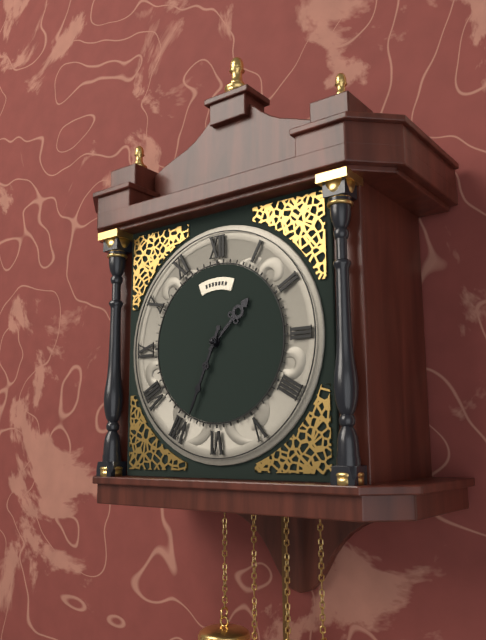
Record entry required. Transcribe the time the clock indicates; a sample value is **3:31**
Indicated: **1:34**
